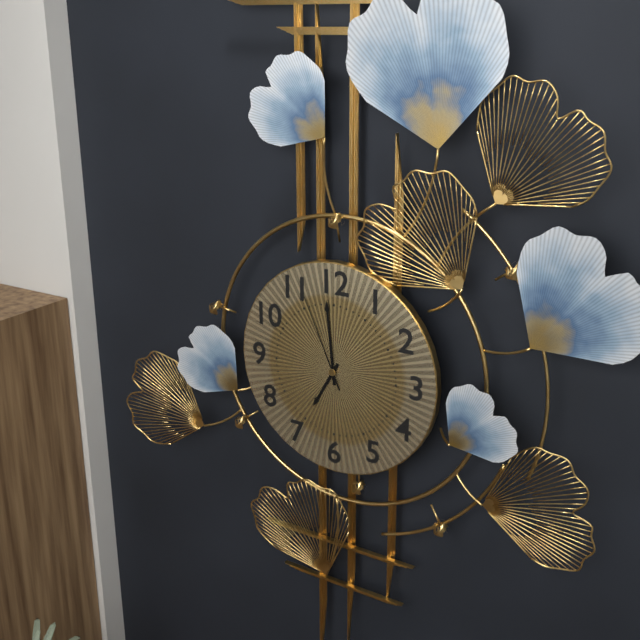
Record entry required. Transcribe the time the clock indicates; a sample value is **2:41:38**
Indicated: **6:59:56**
